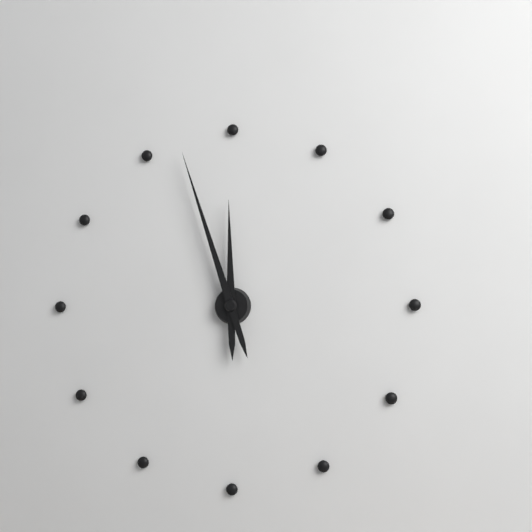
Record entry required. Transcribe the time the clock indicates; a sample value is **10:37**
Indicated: **11:57**
